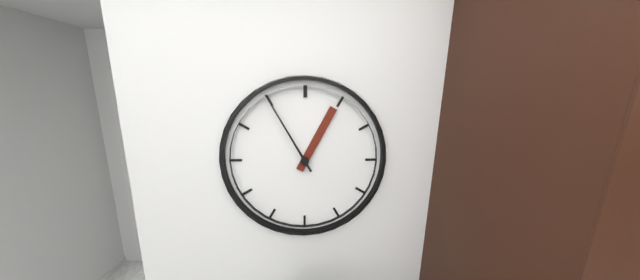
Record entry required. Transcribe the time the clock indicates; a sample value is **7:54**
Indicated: **12:55**
